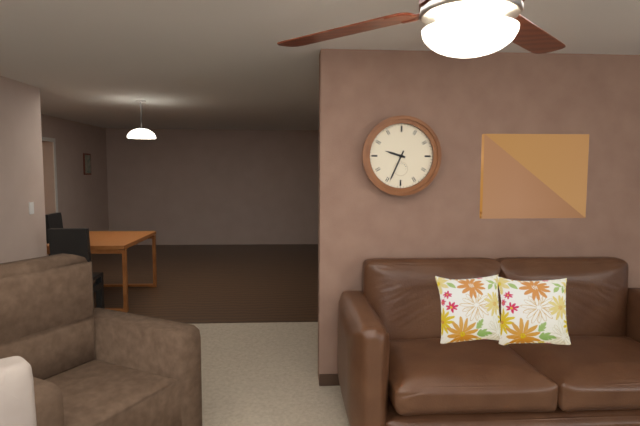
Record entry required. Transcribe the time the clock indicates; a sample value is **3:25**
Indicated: **9:34**
